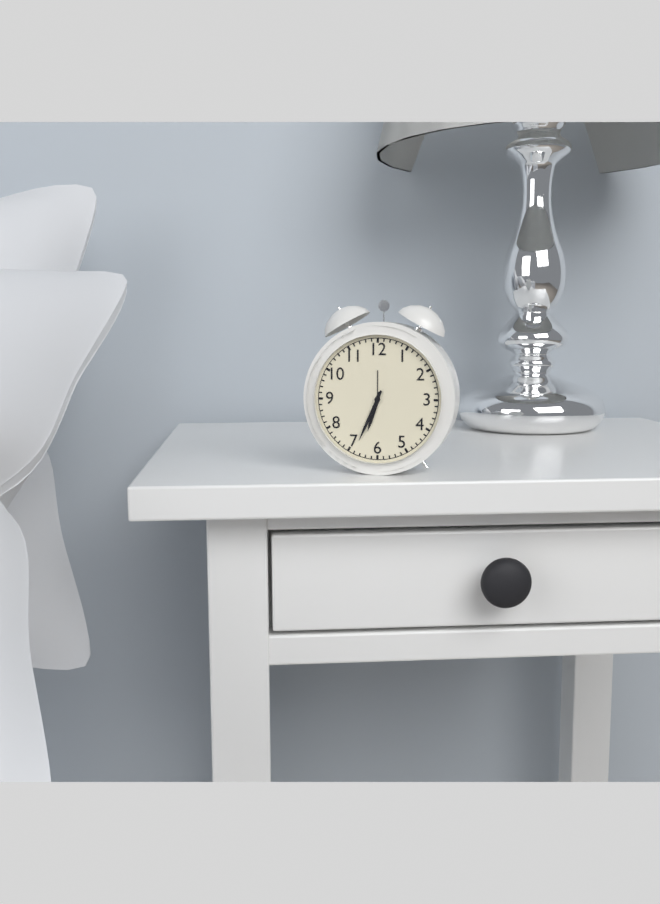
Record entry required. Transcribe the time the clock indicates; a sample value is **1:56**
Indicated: **6:34**
